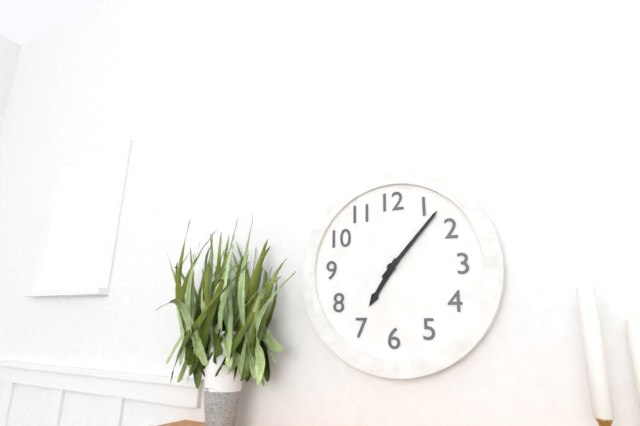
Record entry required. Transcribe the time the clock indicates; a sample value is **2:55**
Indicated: **7:07**
